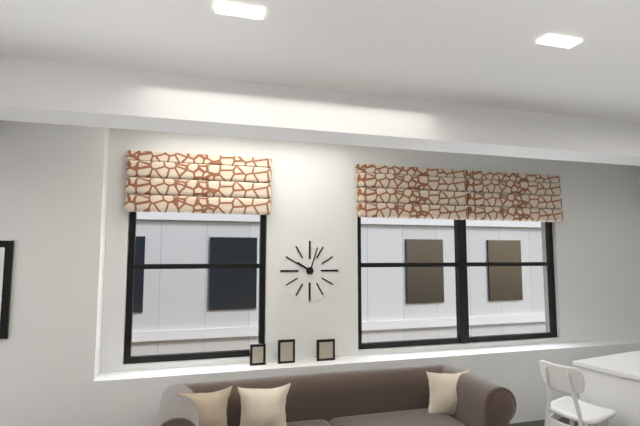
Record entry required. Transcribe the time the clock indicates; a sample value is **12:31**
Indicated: **10:03**
